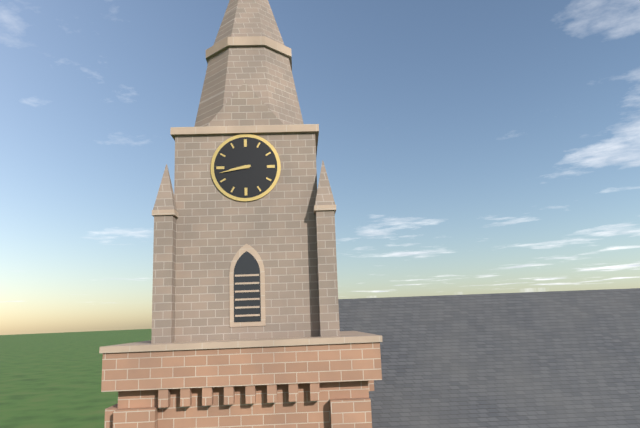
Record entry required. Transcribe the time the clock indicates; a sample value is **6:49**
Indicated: **8:43**
